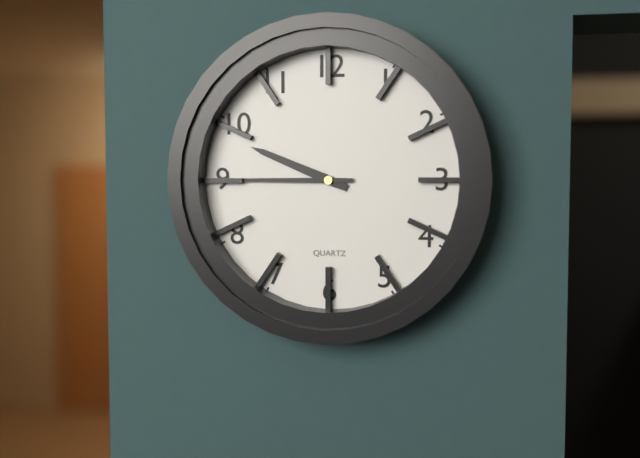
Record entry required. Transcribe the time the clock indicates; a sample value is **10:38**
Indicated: **9:45**
